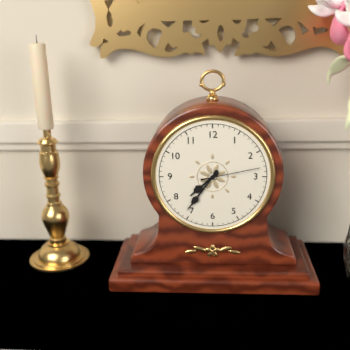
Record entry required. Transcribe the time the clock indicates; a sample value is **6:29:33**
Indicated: **7:36:13**
